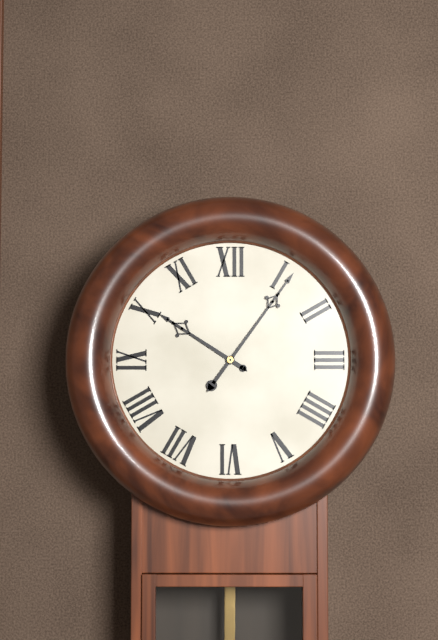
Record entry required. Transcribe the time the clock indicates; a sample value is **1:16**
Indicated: **10:06**
